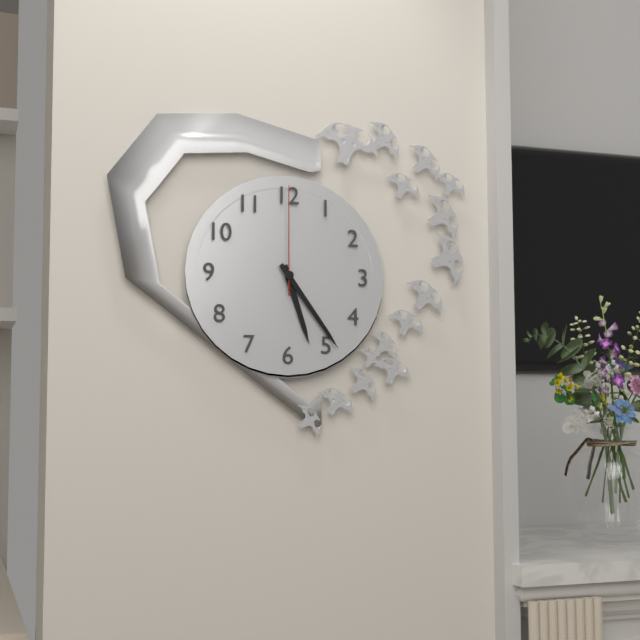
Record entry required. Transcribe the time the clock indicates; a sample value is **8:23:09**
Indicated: **5:24:00**
